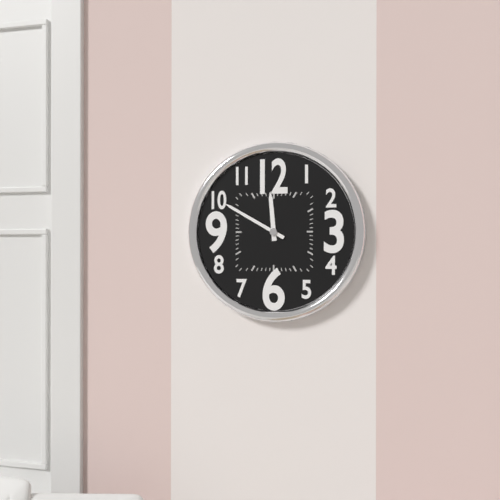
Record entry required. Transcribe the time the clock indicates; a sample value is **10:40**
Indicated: **11:50**
